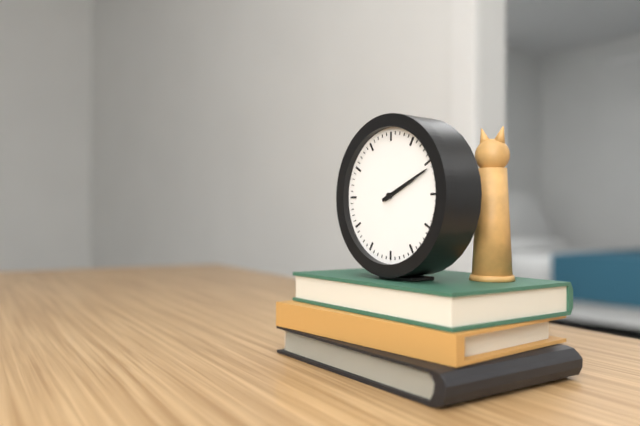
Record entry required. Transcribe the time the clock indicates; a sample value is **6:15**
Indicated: **2:11**
